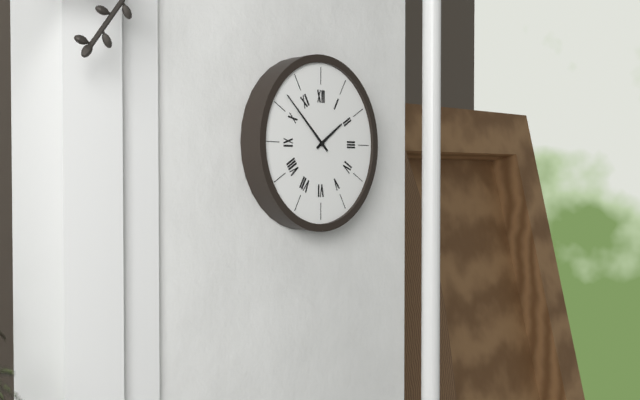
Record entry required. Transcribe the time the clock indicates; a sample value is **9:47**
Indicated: **1:52**
